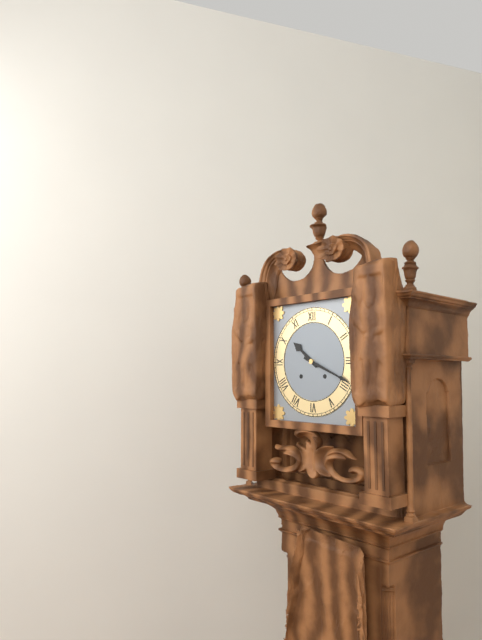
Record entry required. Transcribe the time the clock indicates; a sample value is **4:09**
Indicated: **10:19**
